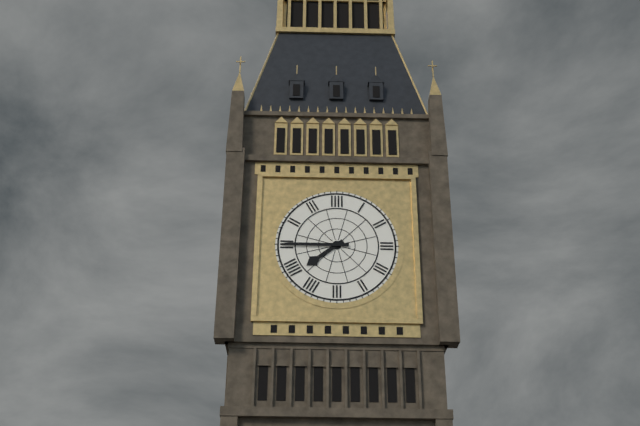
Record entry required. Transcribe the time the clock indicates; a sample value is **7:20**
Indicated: **7:45**
